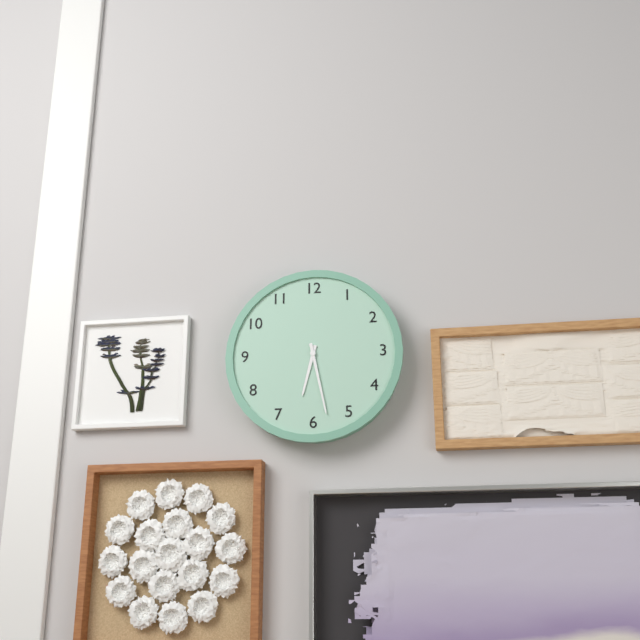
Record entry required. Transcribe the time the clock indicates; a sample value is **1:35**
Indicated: **6:28**
